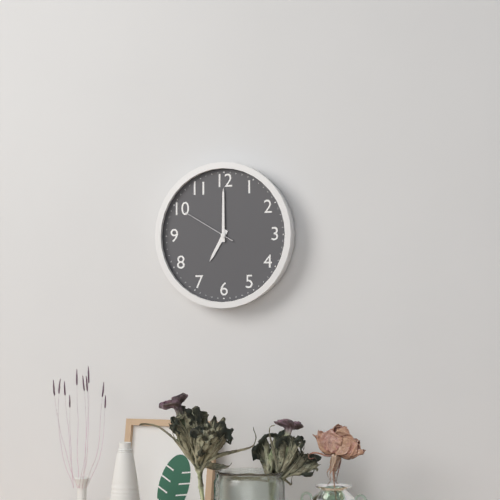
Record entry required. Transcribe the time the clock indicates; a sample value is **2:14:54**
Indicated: **7:00:50**
